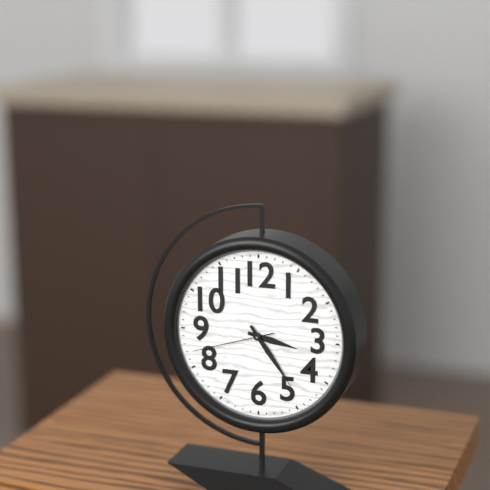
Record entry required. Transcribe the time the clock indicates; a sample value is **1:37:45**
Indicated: **3:24:42**
